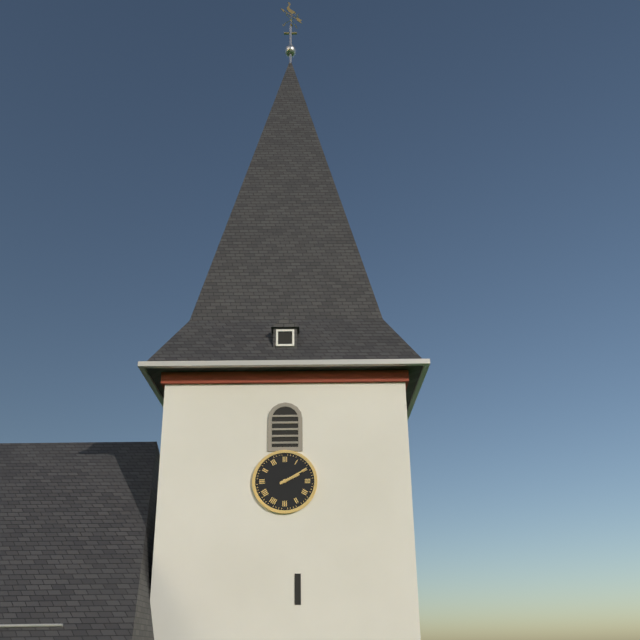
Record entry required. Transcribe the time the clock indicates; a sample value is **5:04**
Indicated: **2:10**
